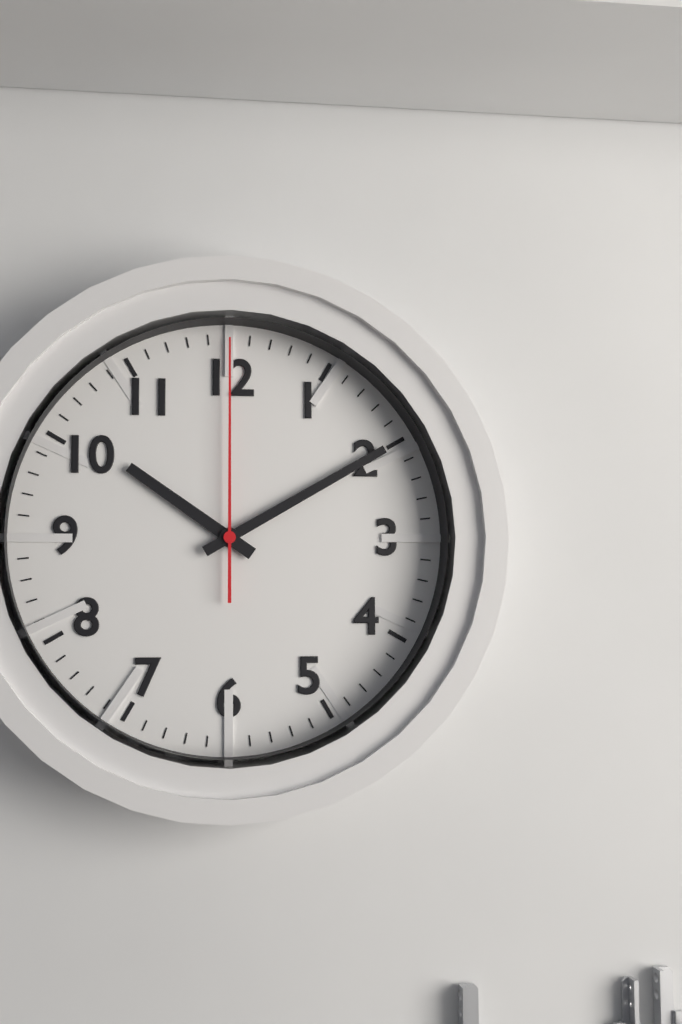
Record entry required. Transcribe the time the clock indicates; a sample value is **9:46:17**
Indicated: **10:10:00**
